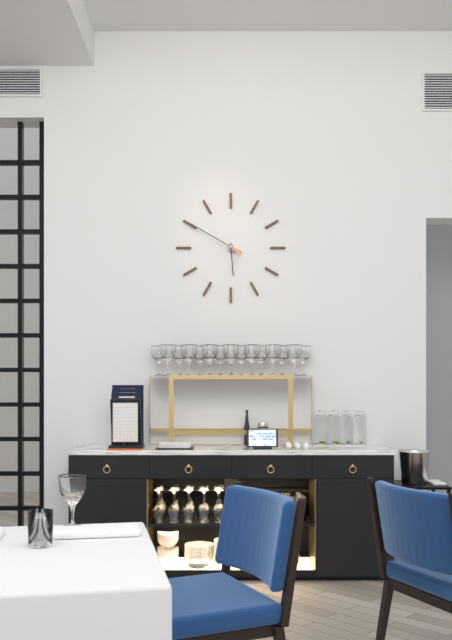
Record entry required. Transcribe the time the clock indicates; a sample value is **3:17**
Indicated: **5:50**
